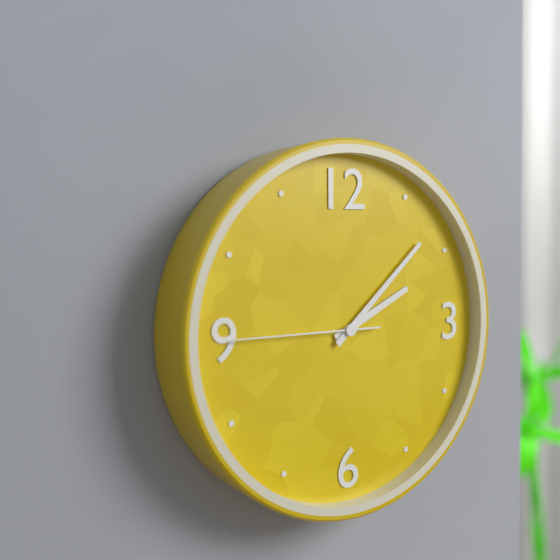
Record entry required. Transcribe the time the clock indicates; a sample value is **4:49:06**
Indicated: **2:08:45**
